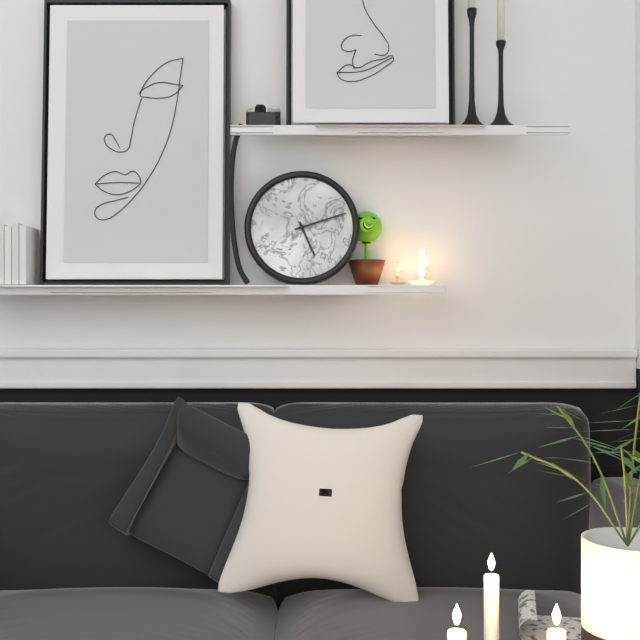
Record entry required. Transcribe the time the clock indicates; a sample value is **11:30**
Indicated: **5:12**
